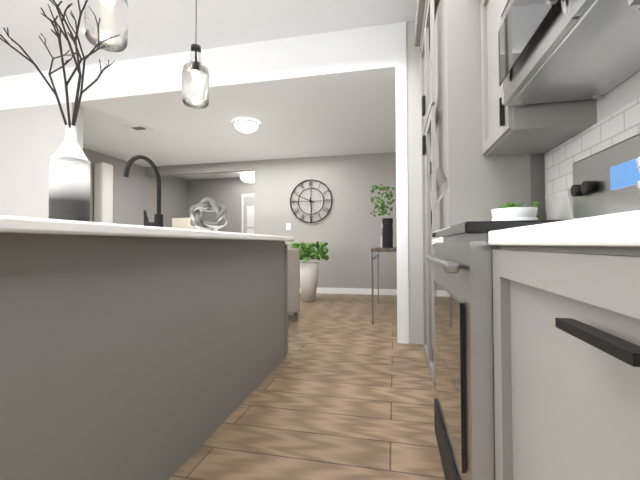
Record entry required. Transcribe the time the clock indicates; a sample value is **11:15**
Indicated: **5:49**
